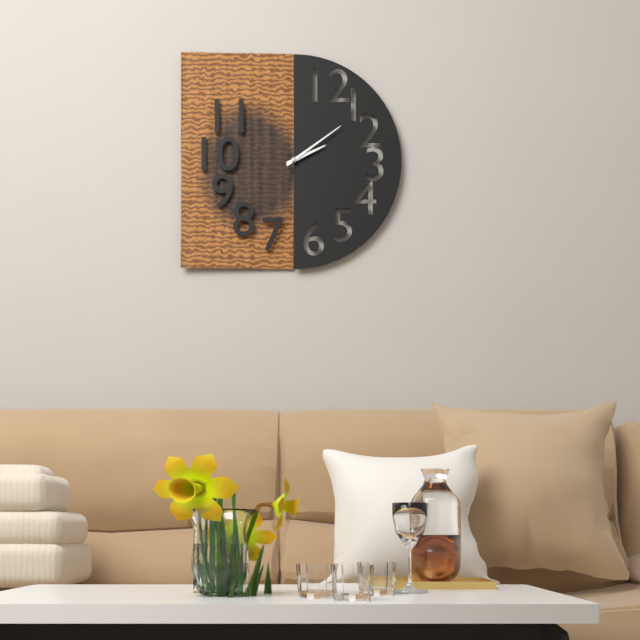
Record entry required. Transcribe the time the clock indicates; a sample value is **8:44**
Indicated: **2:09**
